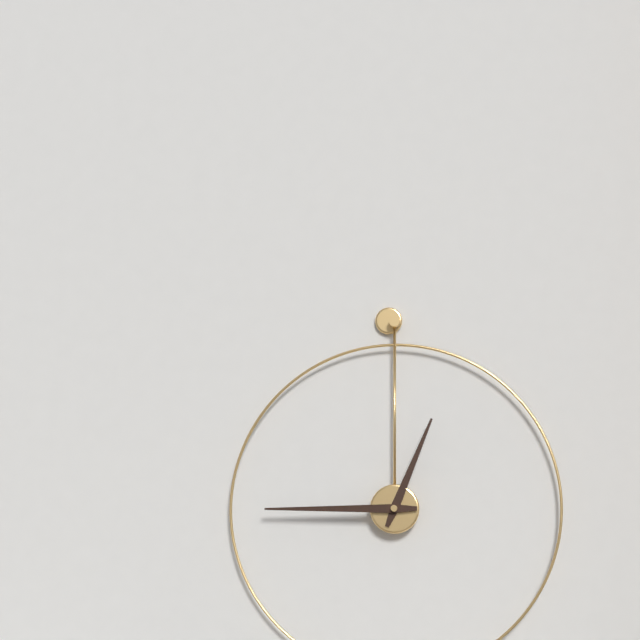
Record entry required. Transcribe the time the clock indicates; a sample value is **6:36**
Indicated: **12:45**
